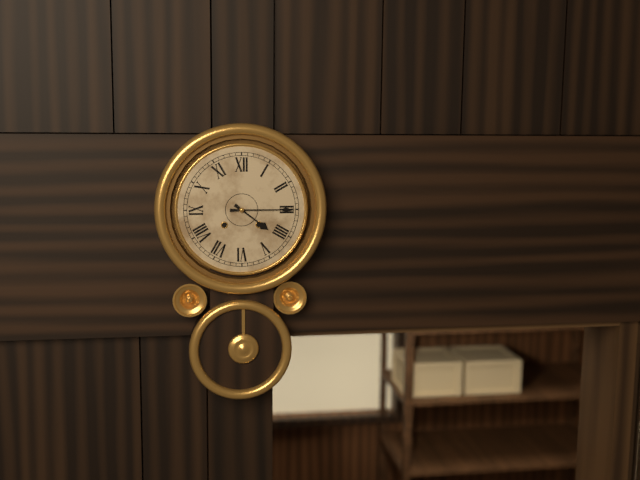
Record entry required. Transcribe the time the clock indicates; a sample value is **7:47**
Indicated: **4:15**
